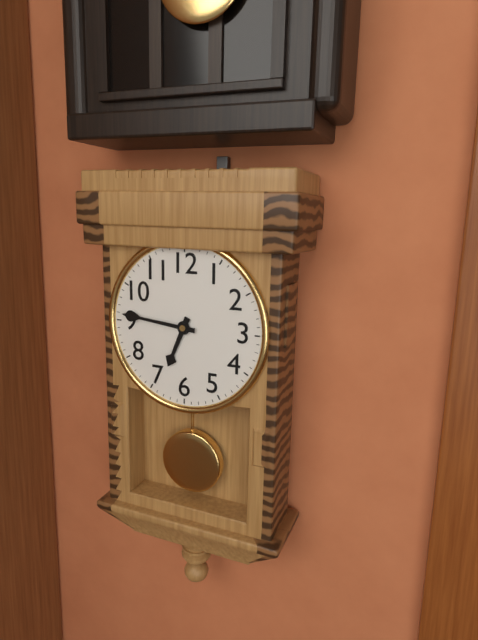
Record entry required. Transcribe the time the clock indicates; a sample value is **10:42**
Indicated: **6:46**
